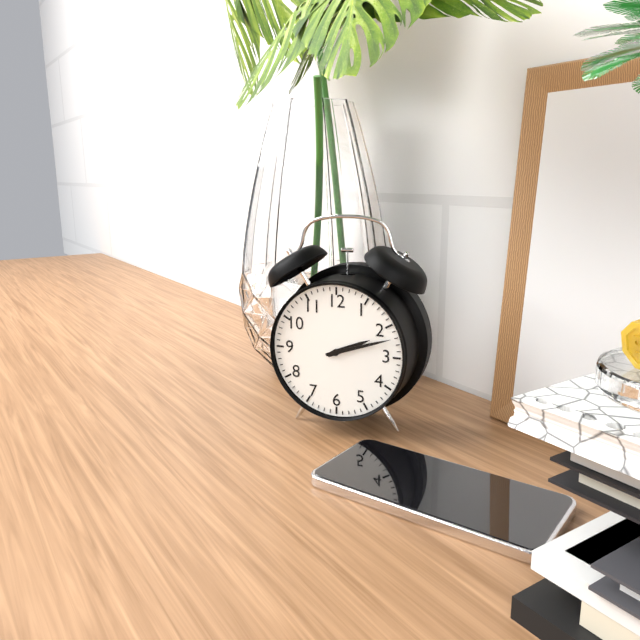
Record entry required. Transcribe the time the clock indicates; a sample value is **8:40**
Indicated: **2:12**
